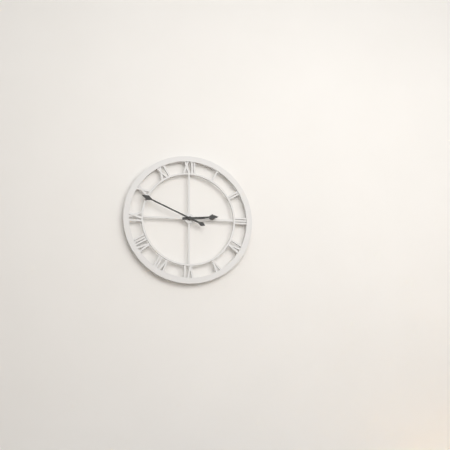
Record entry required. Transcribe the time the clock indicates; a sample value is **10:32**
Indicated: **2:49**
